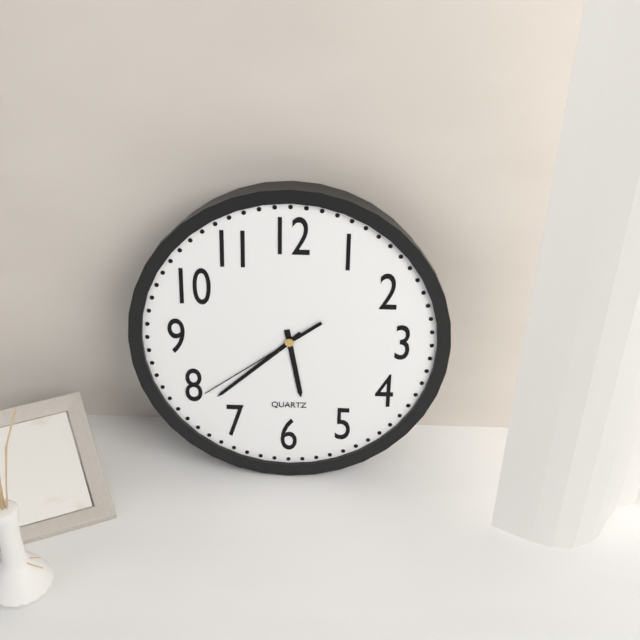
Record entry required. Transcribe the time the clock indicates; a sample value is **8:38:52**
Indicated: **5:38:39**
